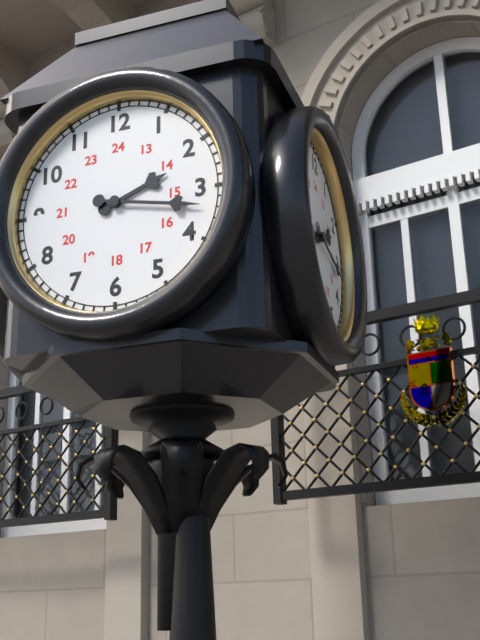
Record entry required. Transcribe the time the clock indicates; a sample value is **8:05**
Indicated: **2:17**
